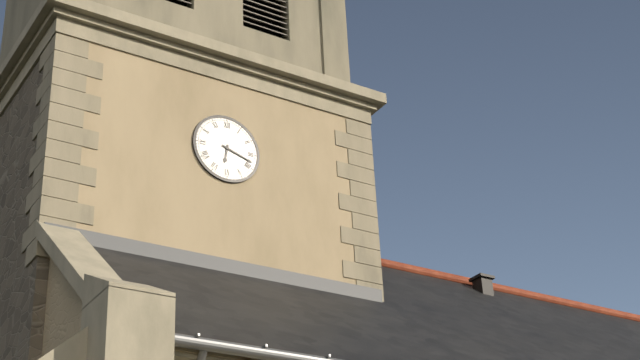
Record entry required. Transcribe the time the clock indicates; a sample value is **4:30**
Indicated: **6:18**
